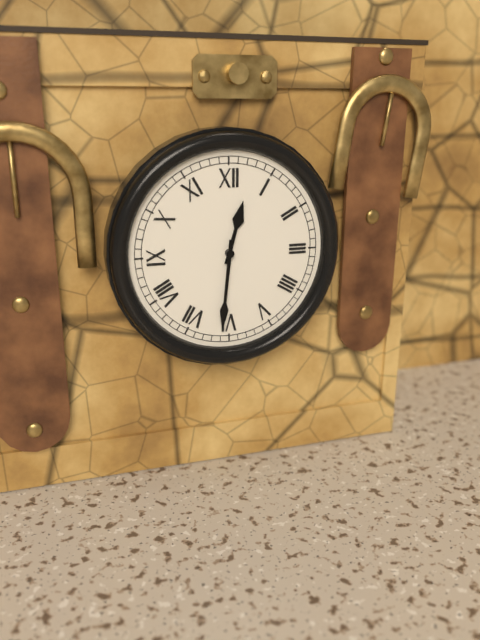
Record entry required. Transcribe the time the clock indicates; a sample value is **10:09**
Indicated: **12:31**
